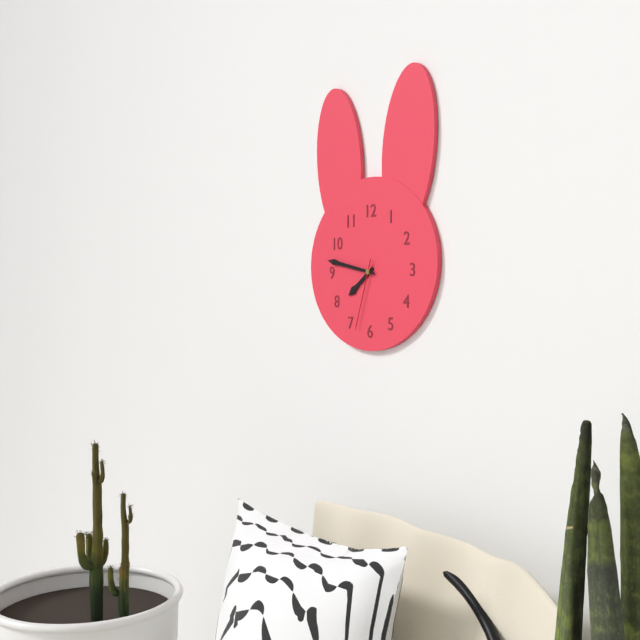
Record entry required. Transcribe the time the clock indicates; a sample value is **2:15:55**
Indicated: **7:47:33**
